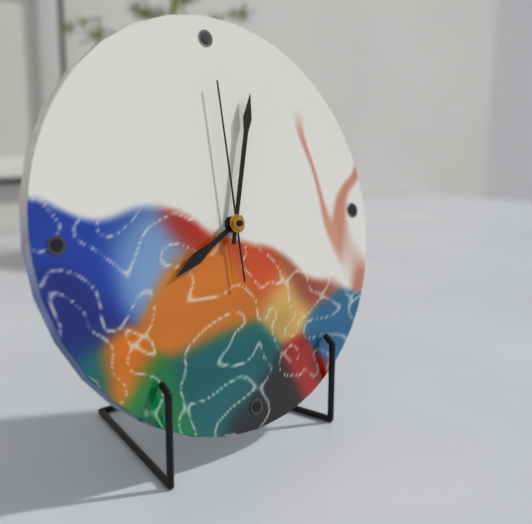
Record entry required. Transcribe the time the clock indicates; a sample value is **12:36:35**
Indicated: **8:03:00**
